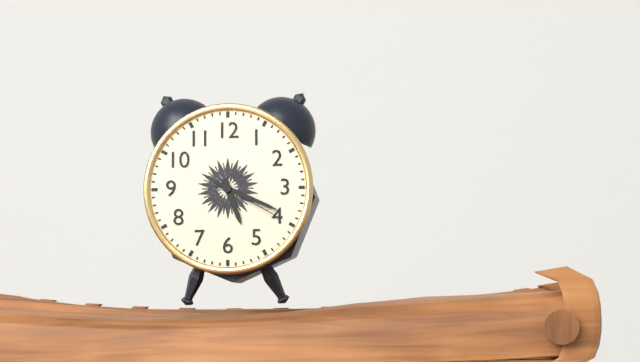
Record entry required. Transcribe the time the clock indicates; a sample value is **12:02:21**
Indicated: **5:19:20**
